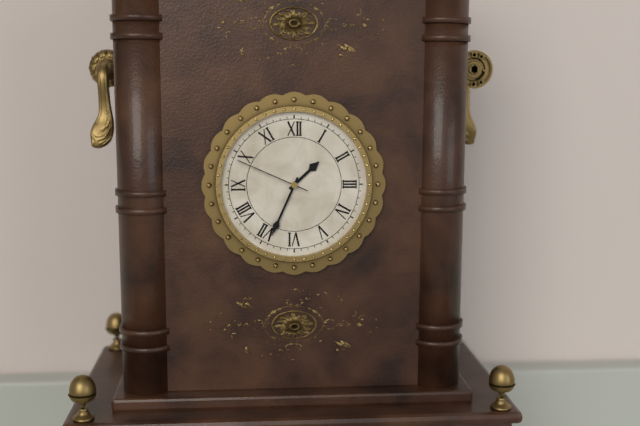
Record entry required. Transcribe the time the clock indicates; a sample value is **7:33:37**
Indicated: **1:34:49**
